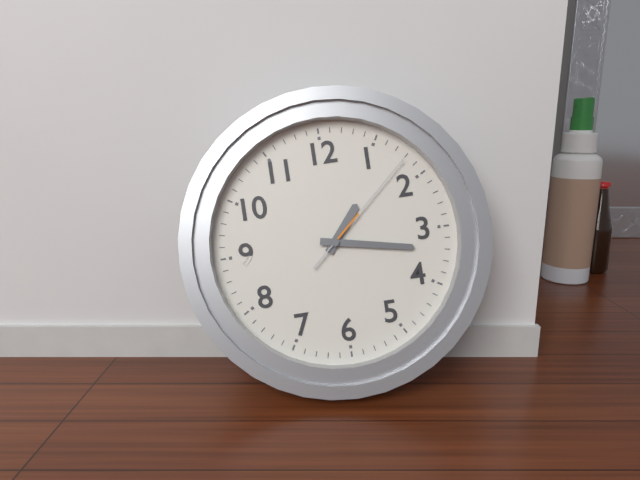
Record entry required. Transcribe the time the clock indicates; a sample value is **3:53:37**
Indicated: **1:17:08**
